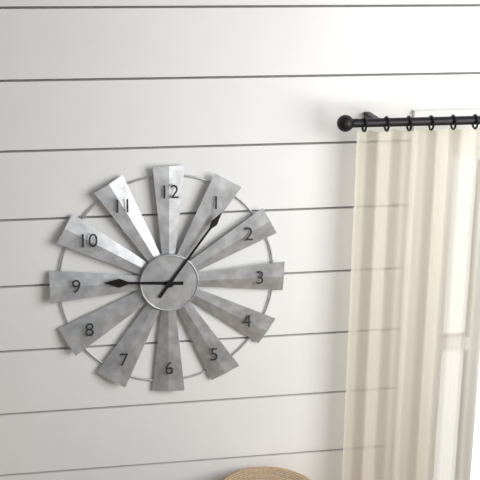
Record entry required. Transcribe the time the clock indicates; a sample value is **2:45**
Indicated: **9:06**
